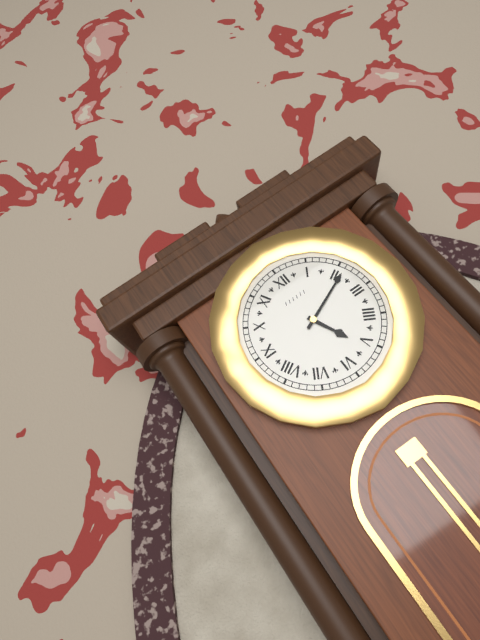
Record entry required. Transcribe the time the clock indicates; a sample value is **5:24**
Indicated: **5:11**
